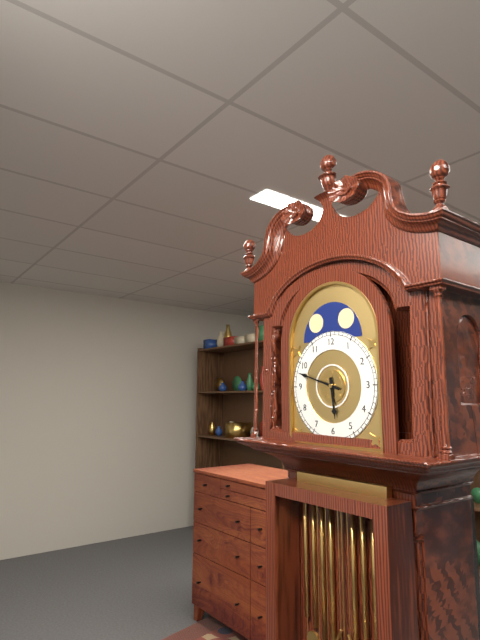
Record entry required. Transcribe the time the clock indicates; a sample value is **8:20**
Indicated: **5:48**
